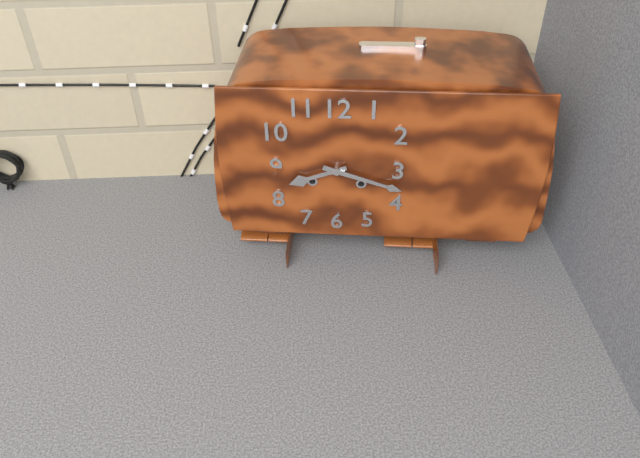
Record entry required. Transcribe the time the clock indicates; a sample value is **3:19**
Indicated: **8:18**
